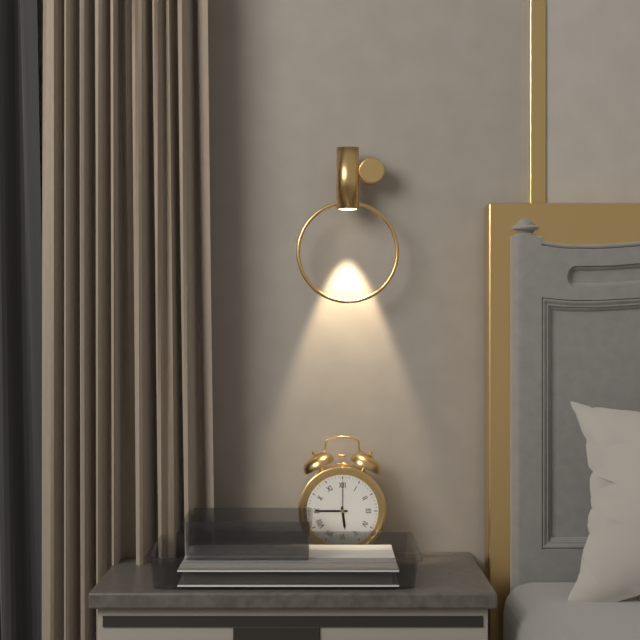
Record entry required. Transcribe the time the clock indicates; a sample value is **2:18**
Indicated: **5:45**
